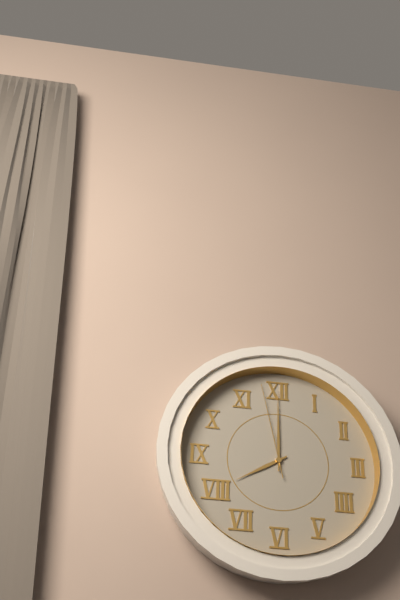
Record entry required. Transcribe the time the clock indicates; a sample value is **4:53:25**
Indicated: **8:00:58**
